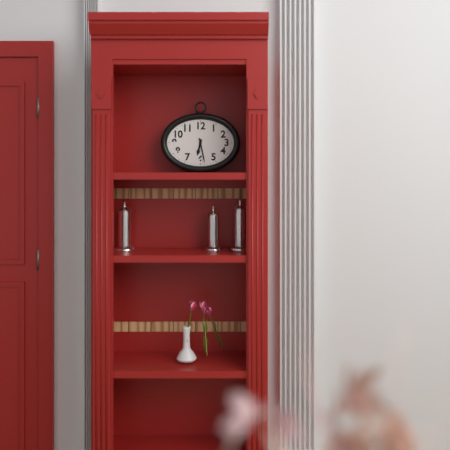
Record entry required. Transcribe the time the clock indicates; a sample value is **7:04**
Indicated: **6:28**
